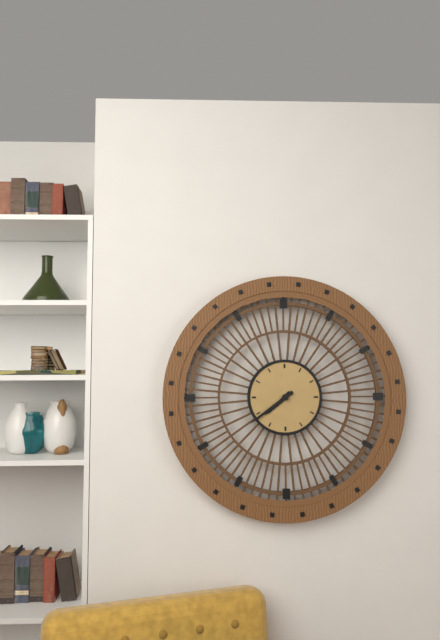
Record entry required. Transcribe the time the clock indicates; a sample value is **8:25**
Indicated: **7:39**
